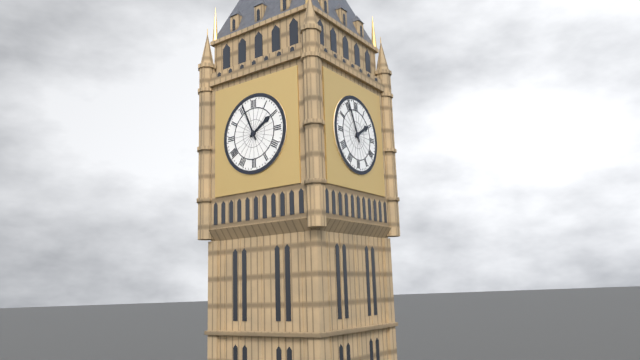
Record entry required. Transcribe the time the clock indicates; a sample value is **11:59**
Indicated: **1:56**
